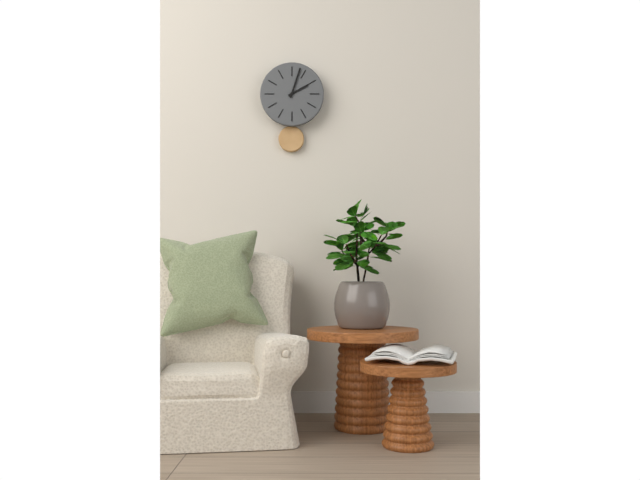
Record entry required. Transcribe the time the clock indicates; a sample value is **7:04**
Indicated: **2:03**
